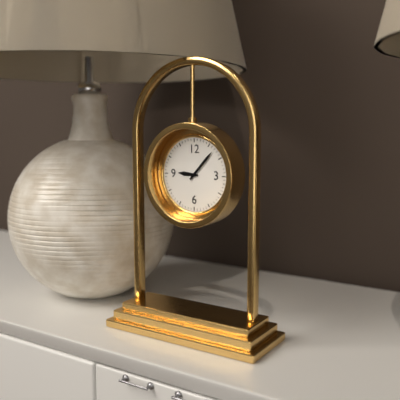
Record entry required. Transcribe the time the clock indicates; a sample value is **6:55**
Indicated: **9:07**
